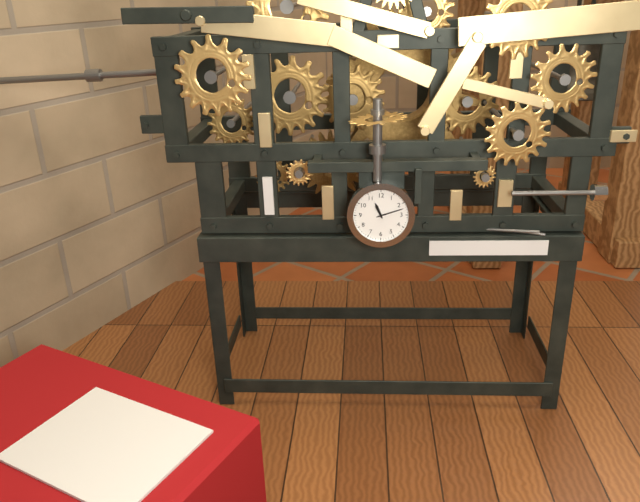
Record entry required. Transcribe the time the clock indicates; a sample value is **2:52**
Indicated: **11:12**
